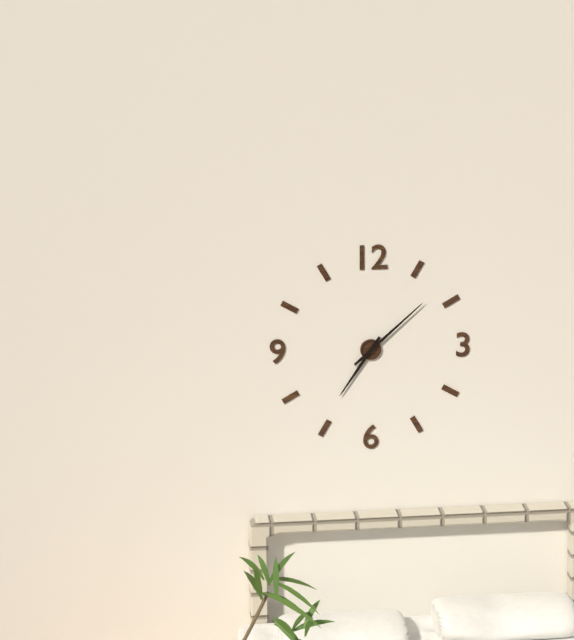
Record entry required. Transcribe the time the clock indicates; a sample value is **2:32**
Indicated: **7:08**
